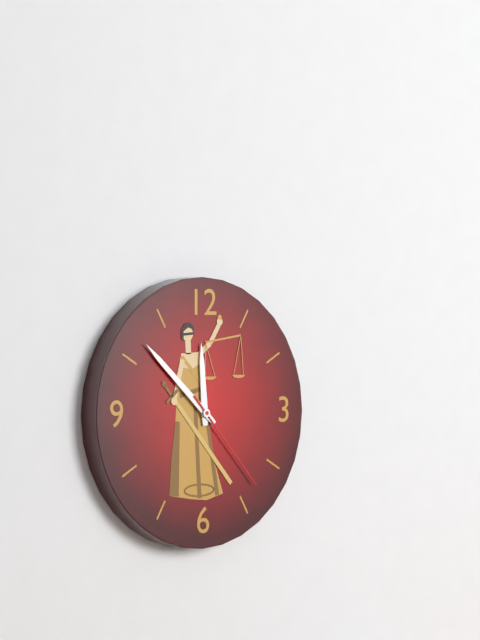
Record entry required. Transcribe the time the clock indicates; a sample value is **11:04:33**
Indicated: **11:52:23**
